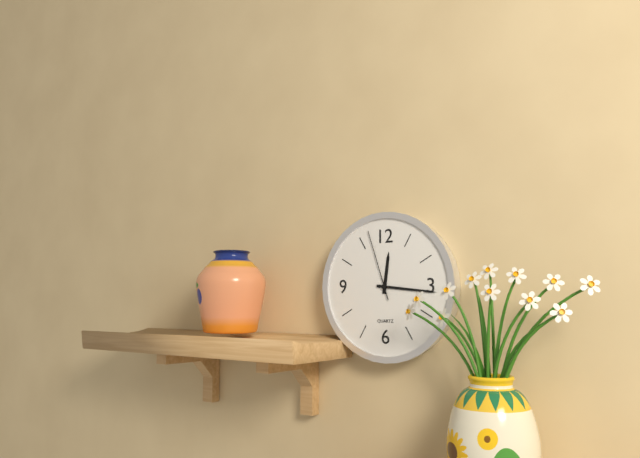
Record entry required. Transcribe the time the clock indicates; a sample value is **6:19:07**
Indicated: **12:16:57**
